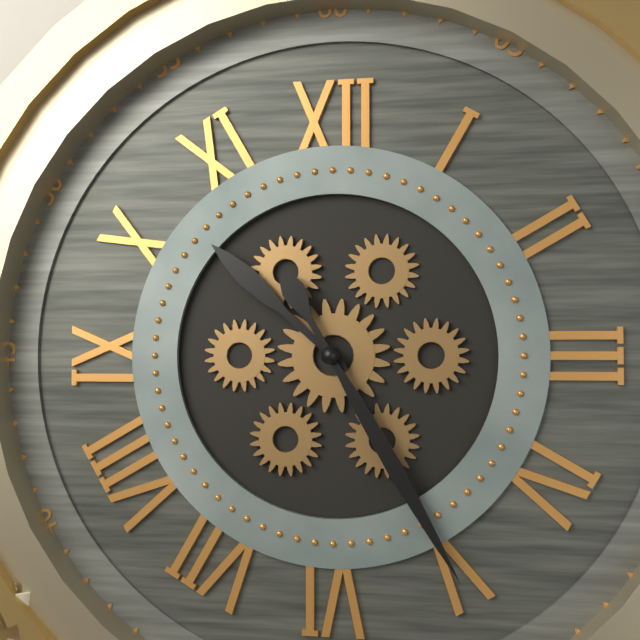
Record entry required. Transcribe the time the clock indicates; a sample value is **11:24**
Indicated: **10:25**
